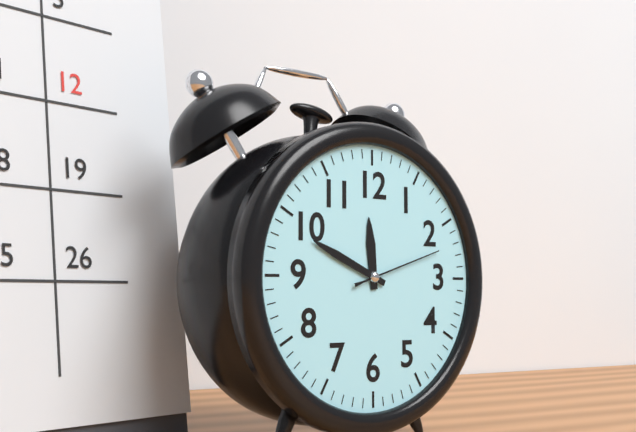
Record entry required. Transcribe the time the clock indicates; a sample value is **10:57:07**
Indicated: **11:49:12**
